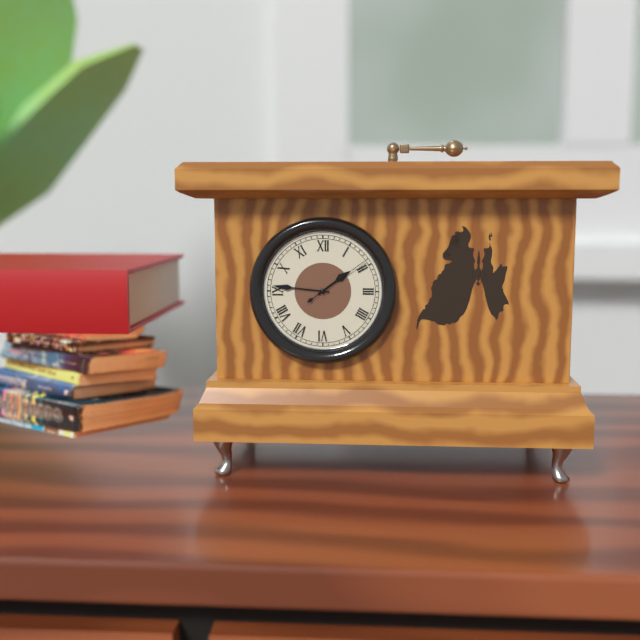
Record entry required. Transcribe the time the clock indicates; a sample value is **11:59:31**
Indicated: **1:46:09**
